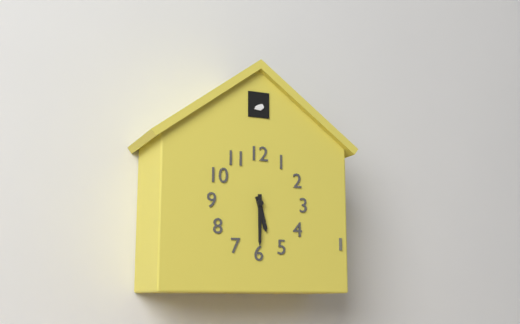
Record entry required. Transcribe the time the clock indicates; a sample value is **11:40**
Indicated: **5:30**
